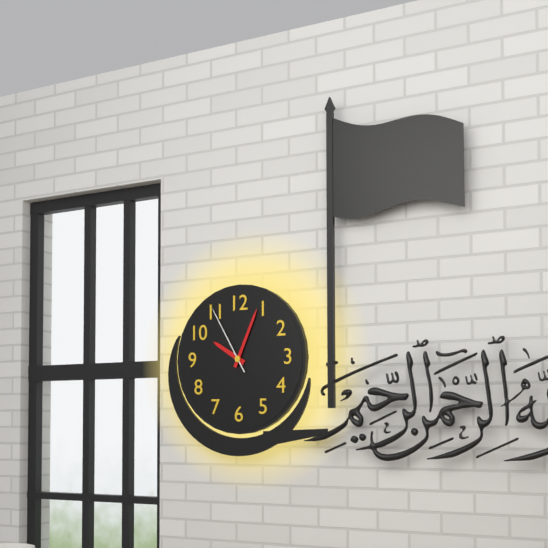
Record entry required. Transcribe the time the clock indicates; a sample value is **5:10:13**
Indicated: **10:04:55**
